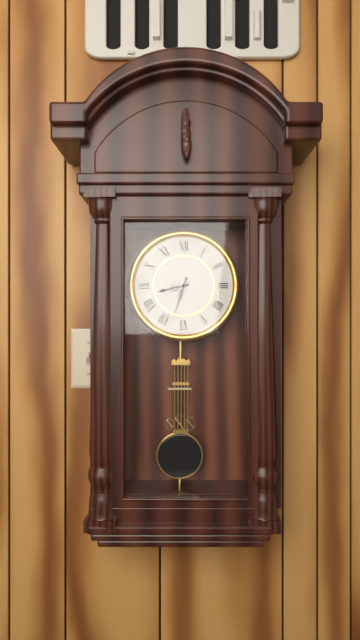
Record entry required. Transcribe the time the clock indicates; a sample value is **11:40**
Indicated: **8:33**
